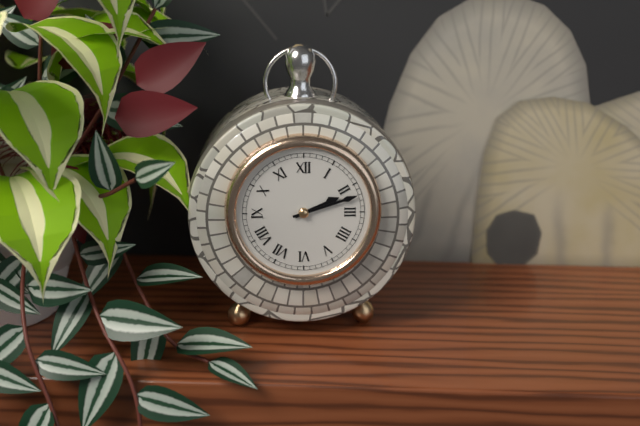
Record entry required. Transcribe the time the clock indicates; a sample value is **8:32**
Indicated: **2:12**
